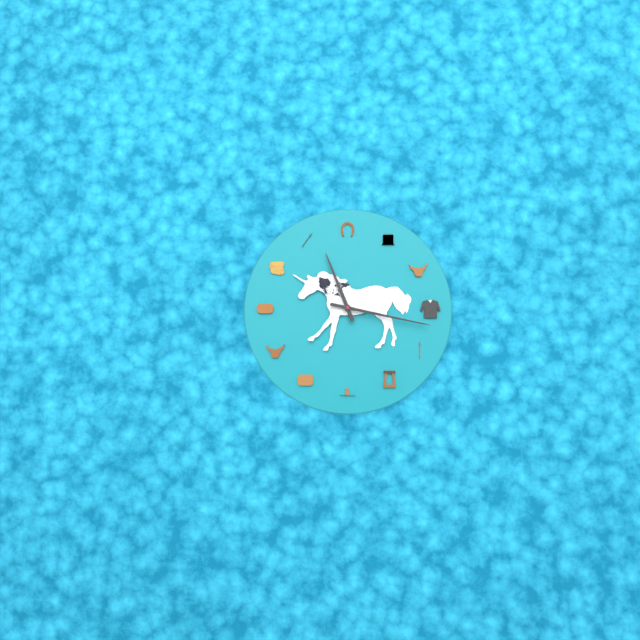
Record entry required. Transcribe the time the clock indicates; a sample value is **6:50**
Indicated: **11:17**
